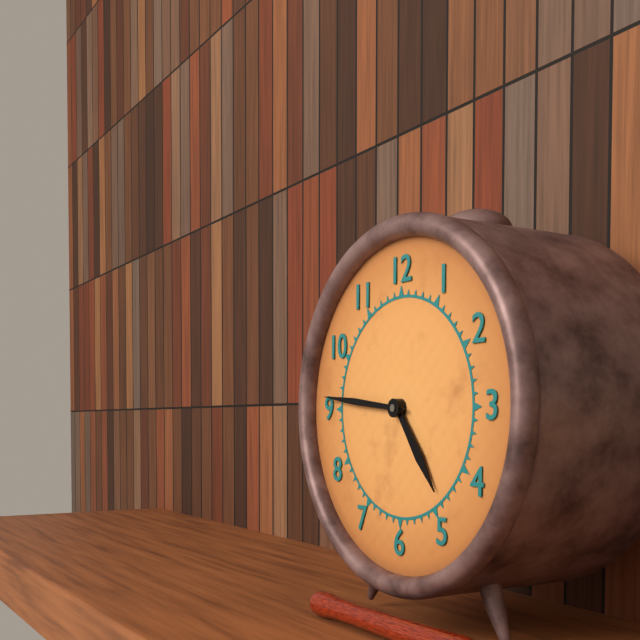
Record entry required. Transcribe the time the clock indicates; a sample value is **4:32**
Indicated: **4:46**
